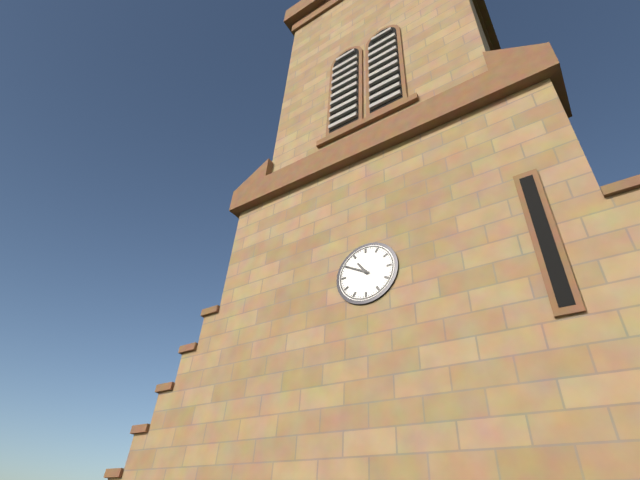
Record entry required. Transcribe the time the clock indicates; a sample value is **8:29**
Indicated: **10:50**
